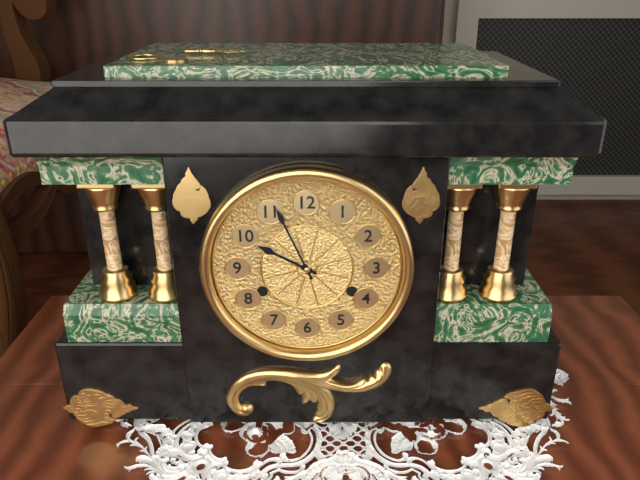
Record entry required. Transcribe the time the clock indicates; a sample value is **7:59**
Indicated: **9:56**
